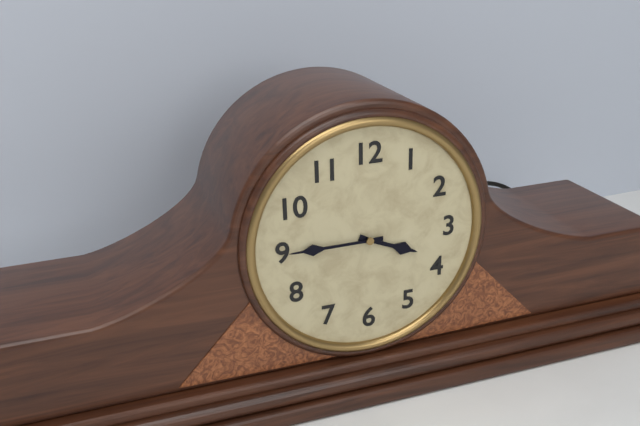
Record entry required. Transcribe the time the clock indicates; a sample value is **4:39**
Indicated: **3:45**
